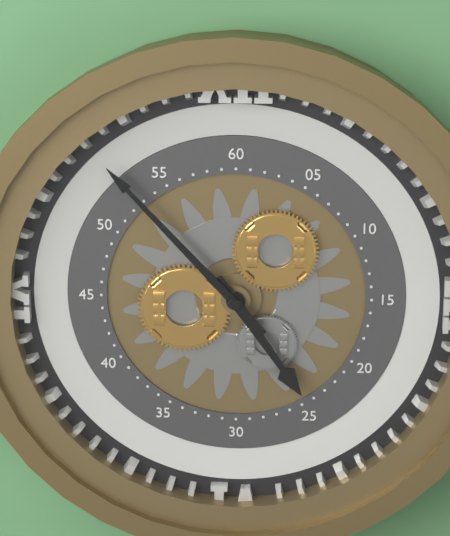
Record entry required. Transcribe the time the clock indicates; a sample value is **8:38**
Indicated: **4:53**
